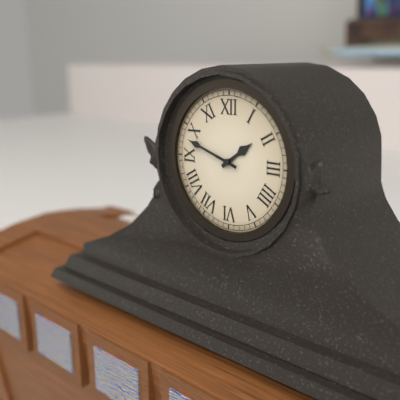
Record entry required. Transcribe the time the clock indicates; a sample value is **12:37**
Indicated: **1:48**
